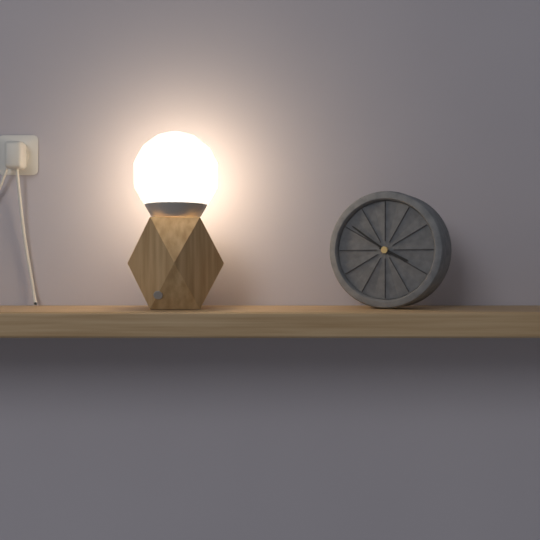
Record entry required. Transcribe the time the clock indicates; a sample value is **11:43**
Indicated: **3:51**
